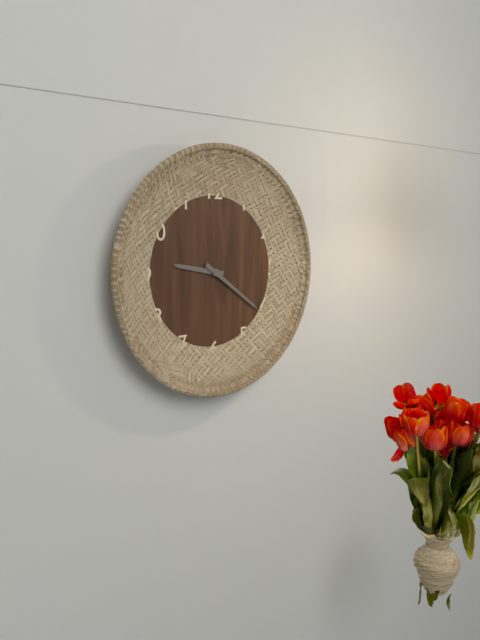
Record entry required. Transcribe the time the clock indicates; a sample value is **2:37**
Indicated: **9:21**
